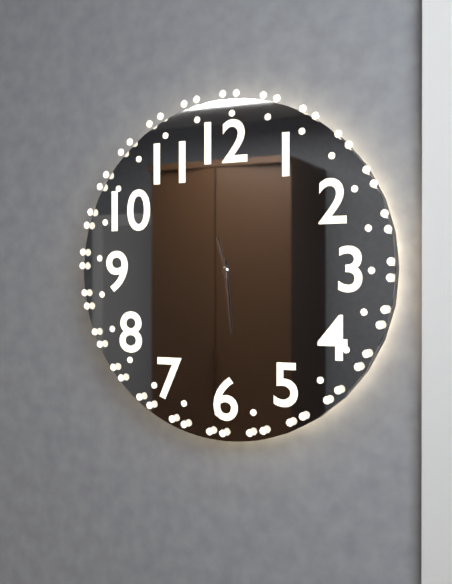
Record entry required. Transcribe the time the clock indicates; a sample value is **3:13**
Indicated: **11:29**
